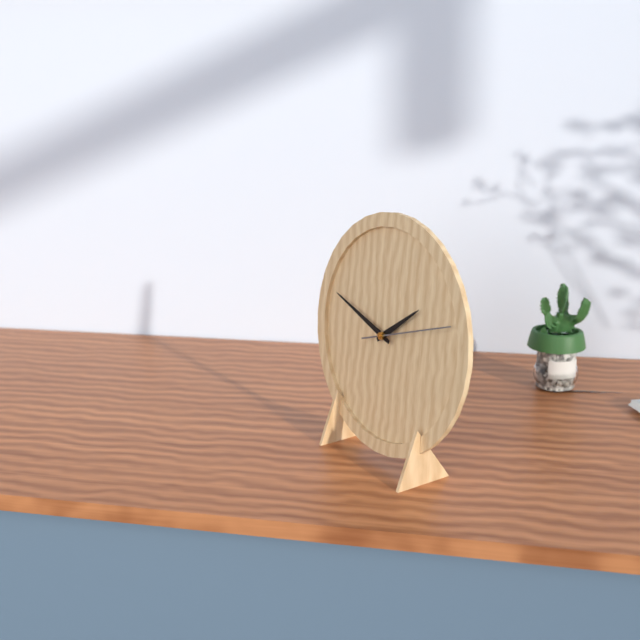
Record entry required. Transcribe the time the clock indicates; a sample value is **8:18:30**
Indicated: **1:48:12**
